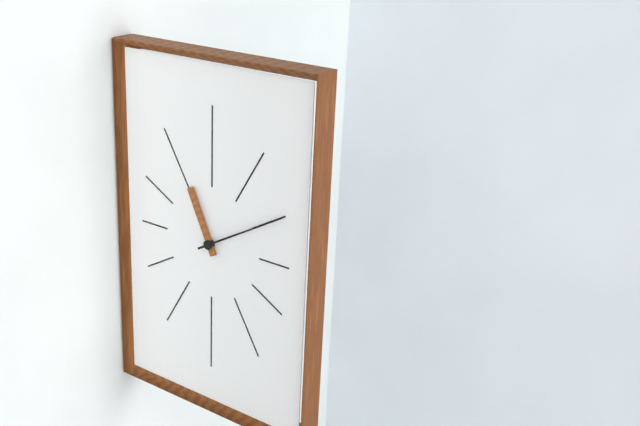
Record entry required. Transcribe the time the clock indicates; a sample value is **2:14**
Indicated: **11:10**
